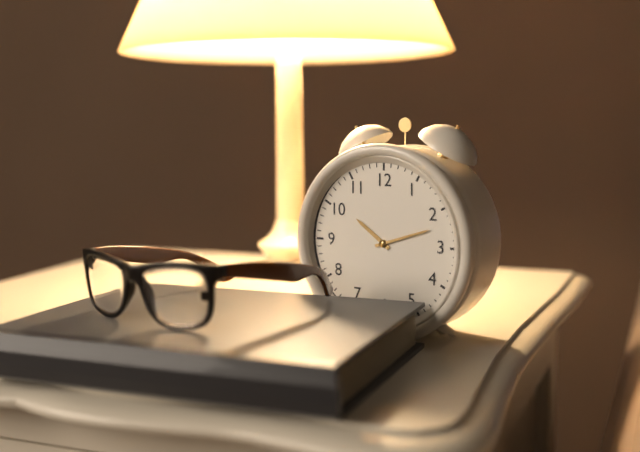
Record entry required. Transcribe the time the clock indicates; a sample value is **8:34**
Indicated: **10:12**
